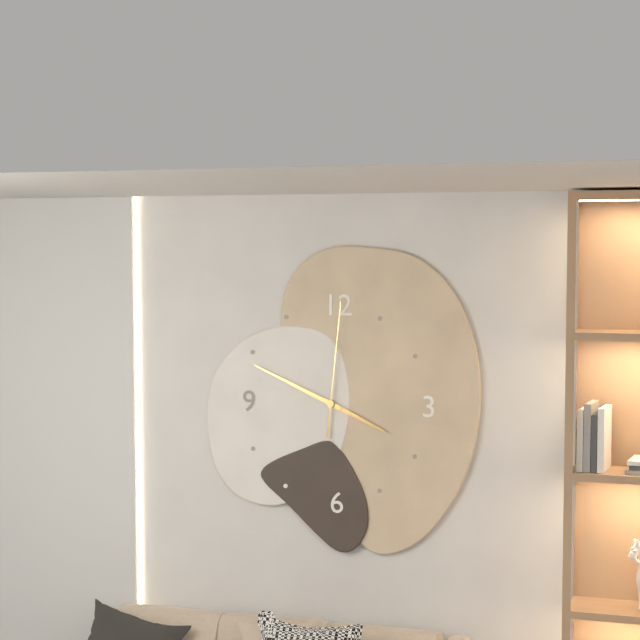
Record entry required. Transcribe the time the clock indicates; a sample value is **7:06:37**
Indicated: **3:49:01**
